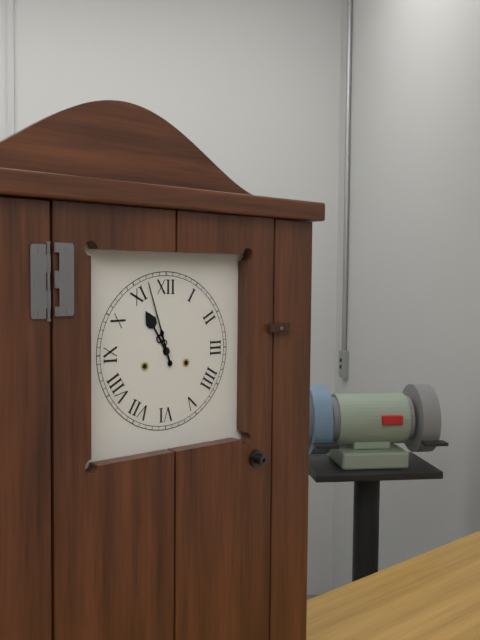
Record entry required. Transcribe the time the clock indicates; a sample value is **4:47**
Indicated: **10:57**
